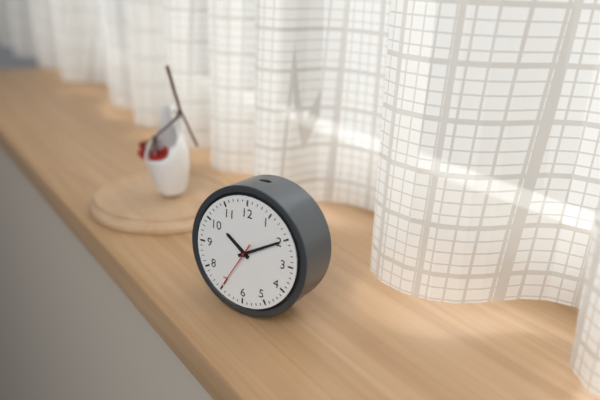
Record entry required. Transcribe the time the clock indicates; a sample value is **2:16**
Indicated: **10:10**
